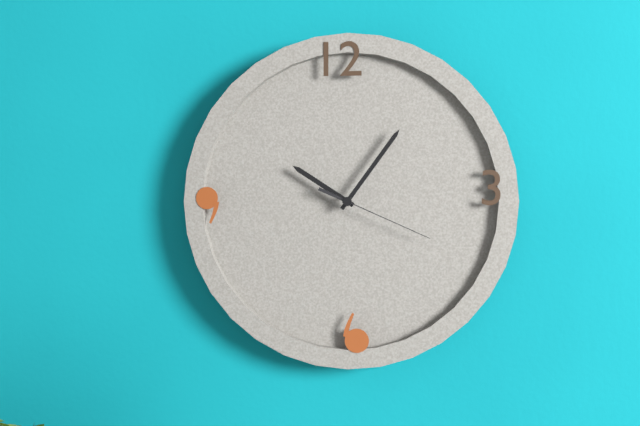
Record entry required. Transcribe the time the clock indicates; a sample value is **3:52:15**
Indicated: **10:06:19**
